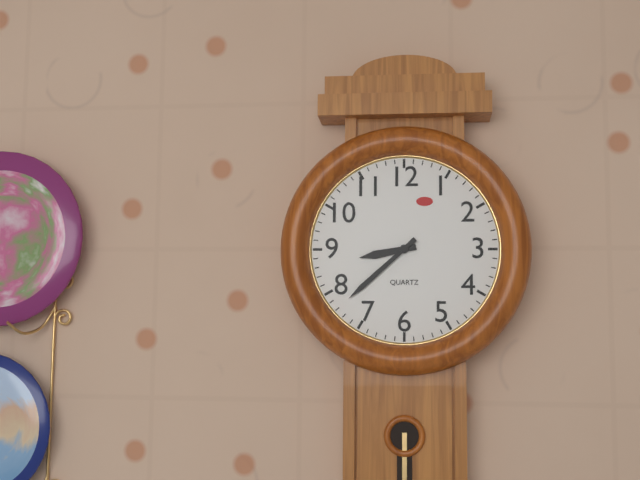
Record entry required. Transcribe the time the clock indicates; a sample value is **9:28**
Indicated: **8:38**
